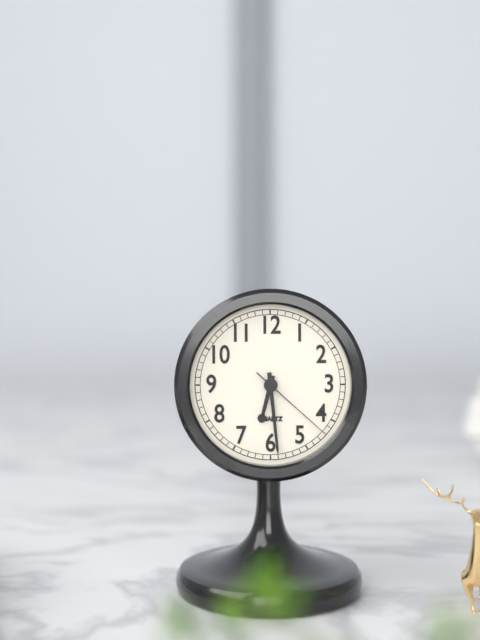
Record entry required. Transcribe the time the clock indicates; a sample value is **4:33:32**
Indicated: **6:29:22**
